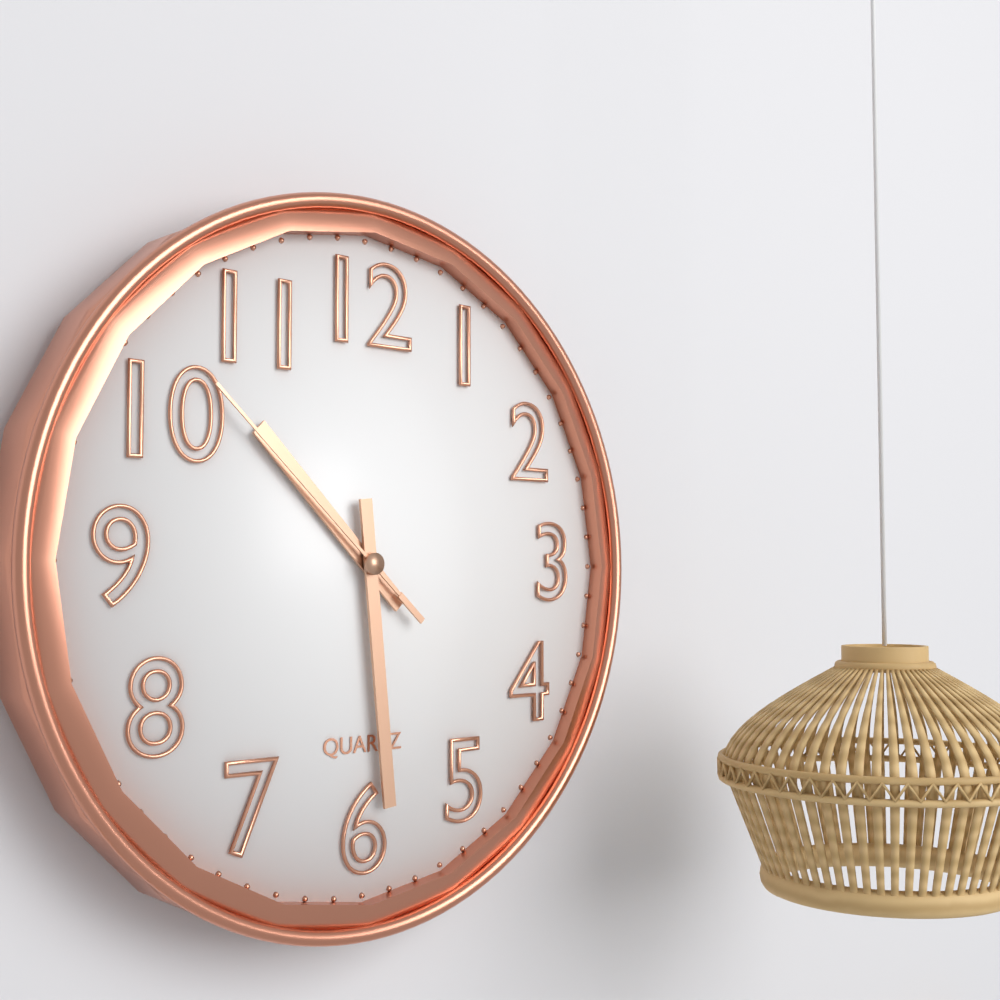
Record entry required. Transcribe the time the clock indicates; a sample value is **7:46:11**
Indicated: **10:29:52**
